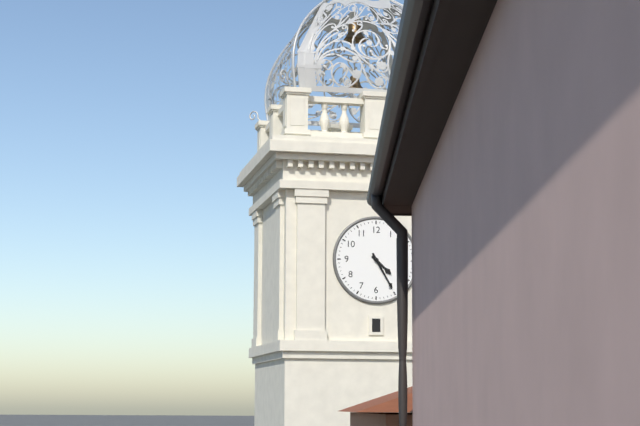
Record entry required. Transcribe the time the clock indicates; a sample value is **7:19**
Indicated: **4:25**
